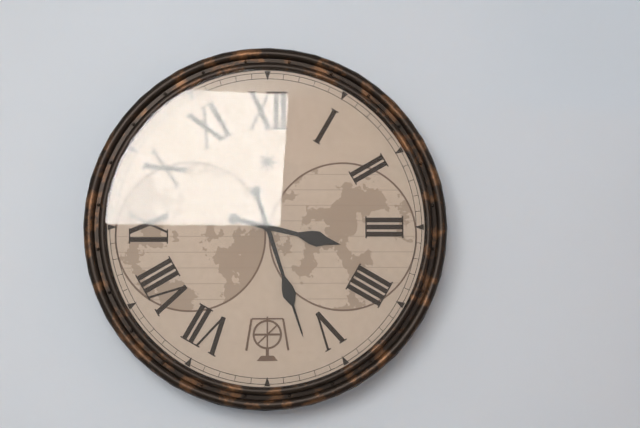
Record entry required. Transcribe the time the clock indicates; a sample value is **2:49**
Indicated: **3:27**
